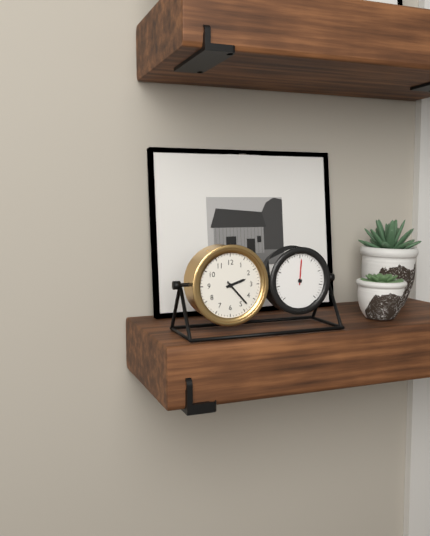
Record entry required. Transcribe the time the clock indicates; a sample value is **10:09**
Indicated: **2:23**
